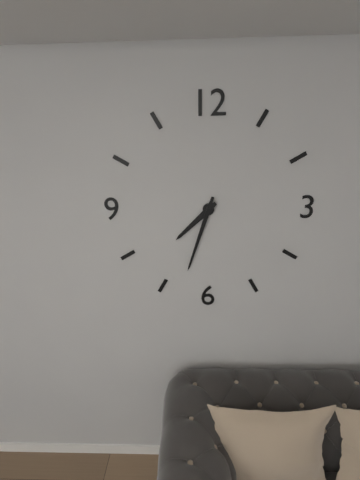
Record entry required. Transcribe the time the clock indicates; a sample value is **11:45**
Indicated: **7:33**
